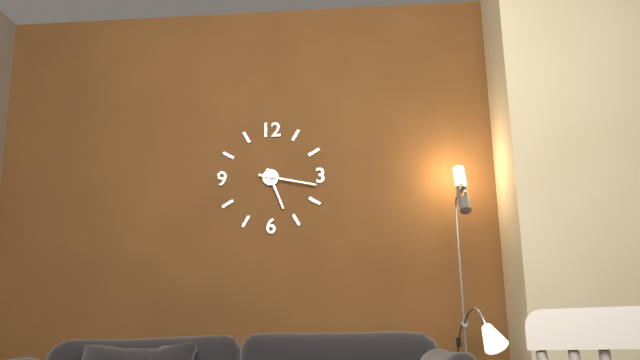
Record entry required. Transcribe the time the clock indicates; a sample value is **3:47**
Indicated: **5:17**
